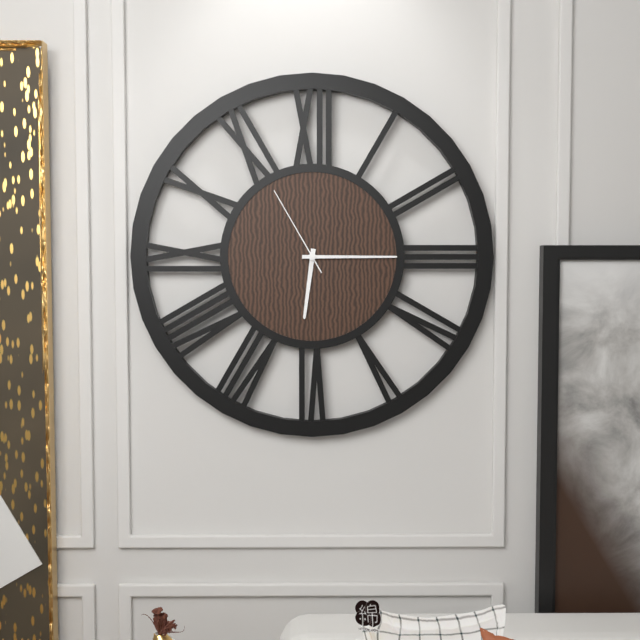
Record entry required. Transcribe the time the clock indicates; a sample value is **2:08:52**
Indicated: **6:15:55**
